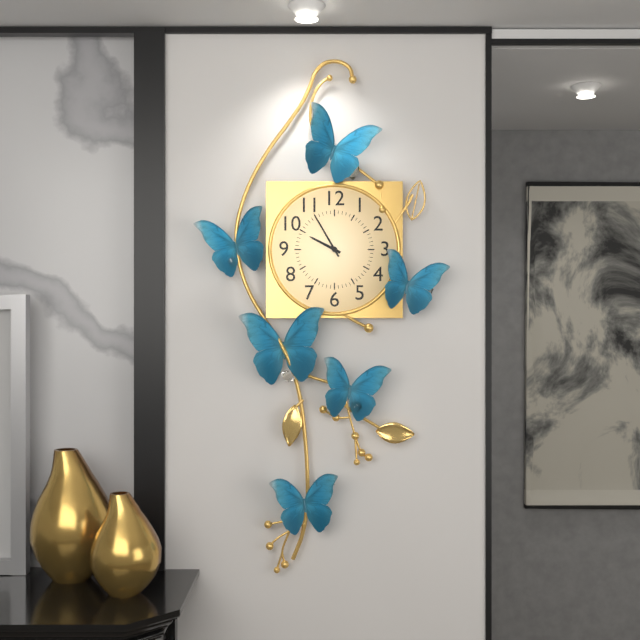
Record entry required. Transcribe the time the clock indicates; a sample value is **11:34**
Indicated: **9:55**
